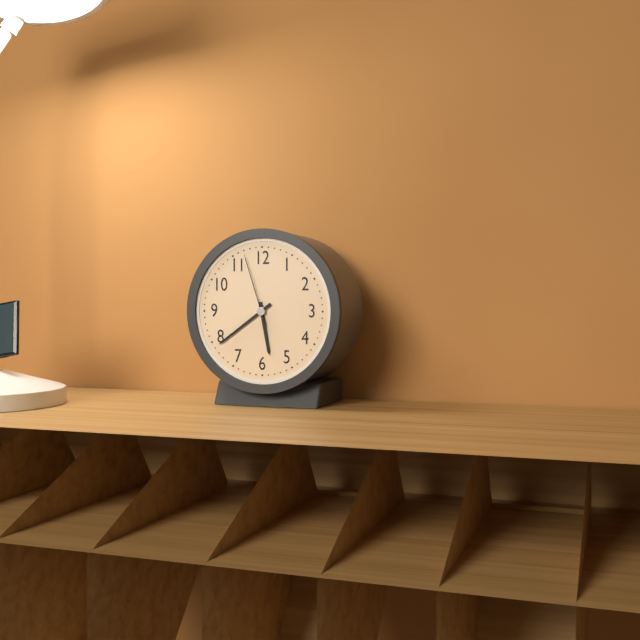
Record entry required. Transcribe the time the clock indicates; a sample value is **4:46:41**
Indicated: **5:39:57**
